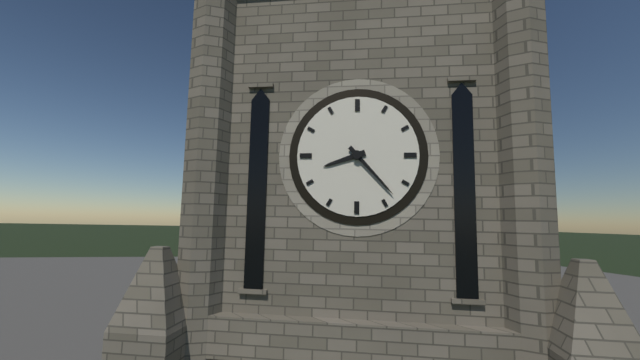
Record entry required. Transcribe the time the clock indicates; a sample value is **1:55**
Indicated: **8:23**
